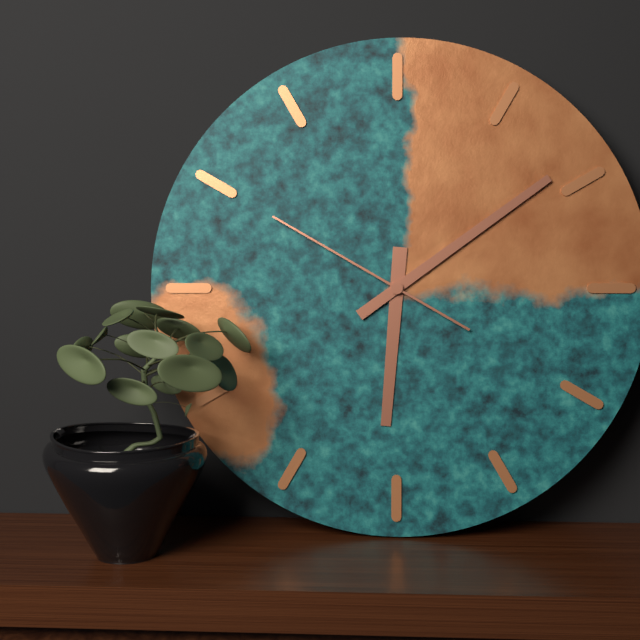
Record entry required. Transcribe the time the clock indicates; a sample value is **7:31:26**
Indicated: **6:09:50**
